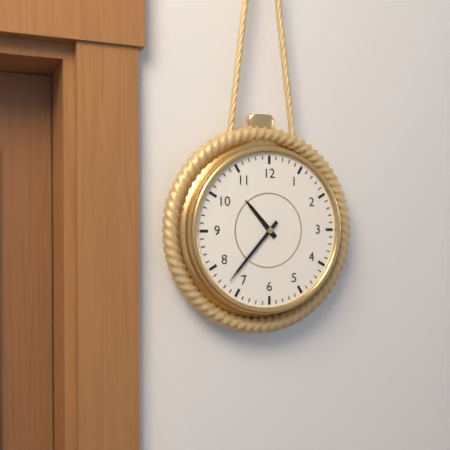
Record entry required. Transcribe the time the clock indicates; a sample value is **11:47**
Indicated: **10:37**
